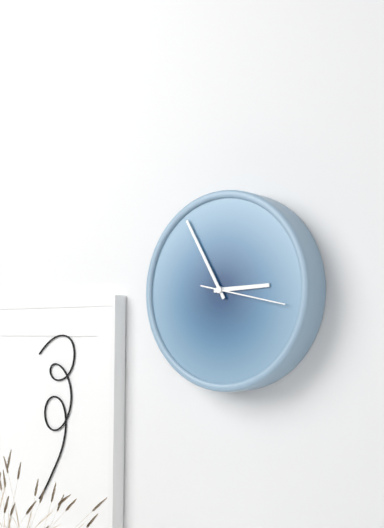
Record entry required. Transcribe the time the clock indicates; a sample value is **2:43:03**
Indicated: **2:55:17**
